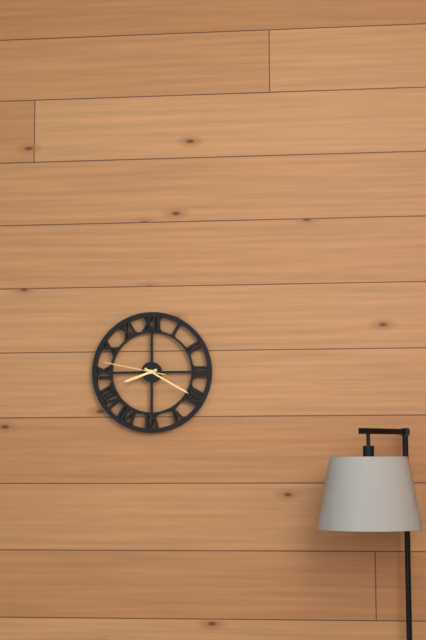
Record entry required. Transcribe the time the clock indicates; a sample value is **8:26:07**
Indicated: **8:20:47**
